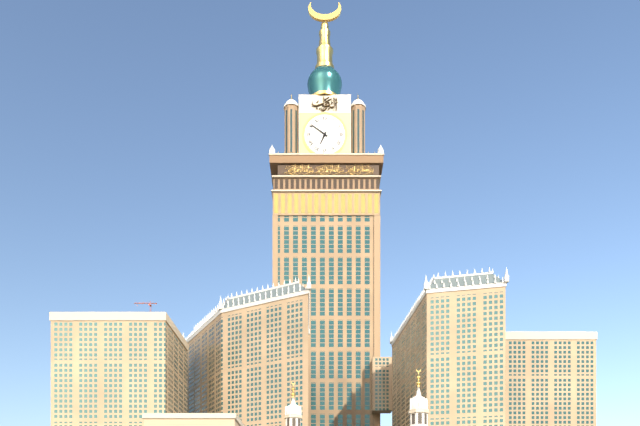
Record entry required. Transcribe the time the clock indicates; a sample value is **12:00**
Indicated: **6:51**
